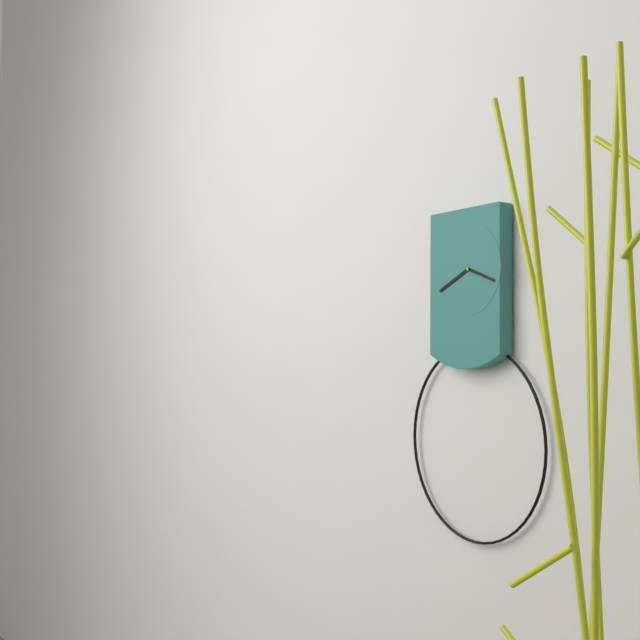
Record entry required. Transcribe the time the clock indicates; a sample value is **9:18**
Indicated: **3:41**
